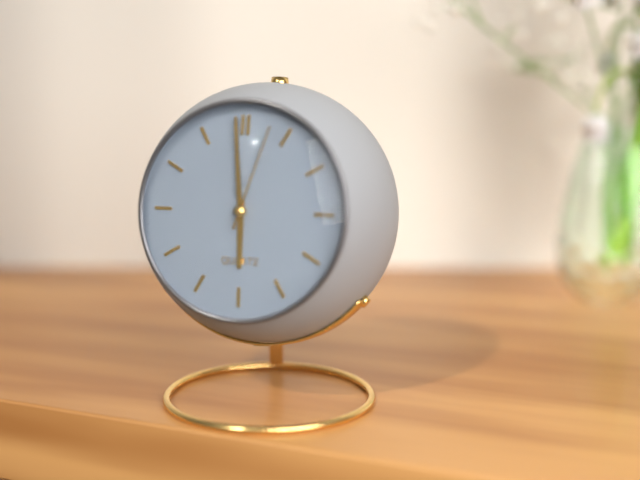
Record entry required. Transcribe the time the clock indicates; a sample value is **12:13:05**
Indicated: **5:59:03**
